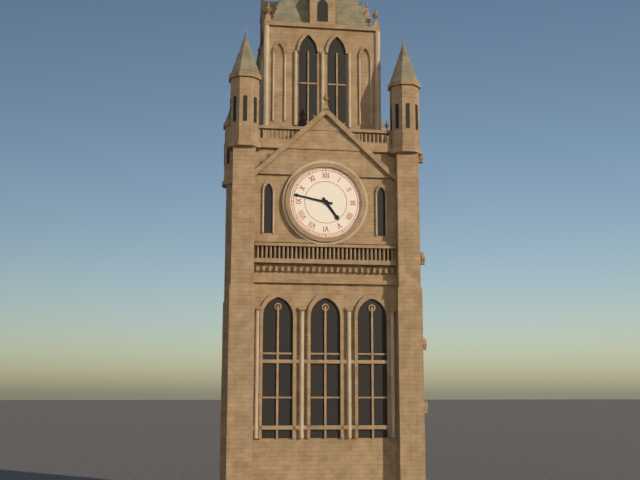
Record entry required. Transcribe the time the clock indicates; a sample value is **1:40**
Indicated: **4:47**
